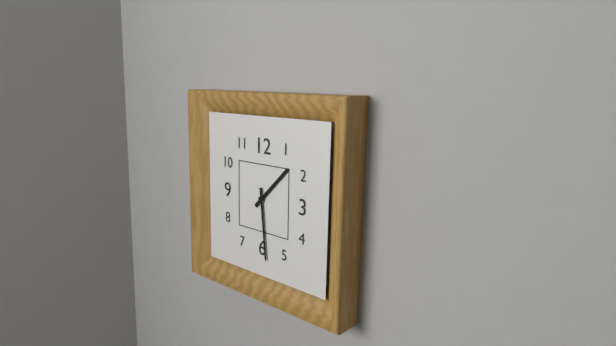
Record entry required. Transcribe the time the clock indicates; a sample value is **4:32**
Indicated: **1:29**
